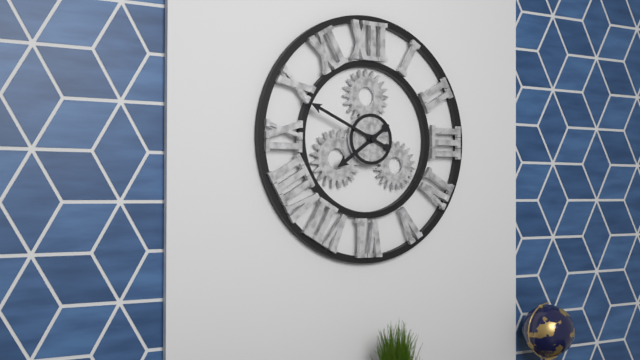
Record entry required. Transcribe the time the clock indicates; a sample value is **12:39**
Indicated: **7:49**
